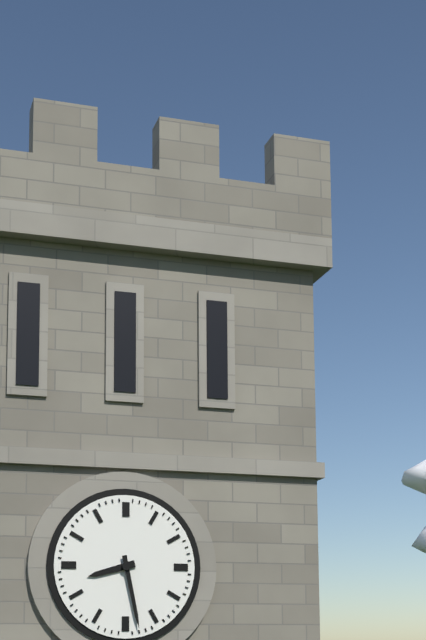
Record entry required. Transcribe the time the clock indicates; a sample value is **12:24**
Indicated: **8:28**
